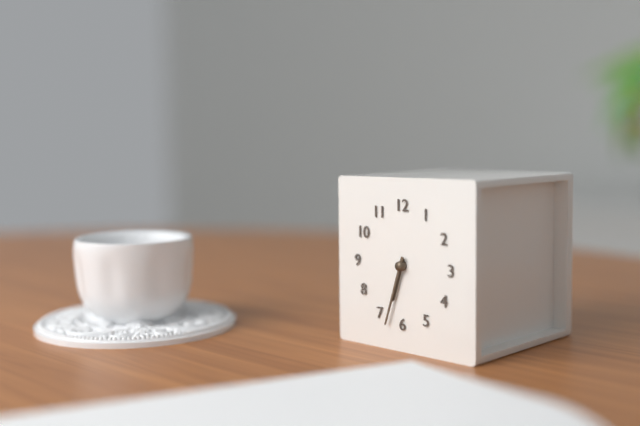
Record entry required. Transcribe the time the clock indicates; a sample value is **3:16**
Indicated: **6:33**
